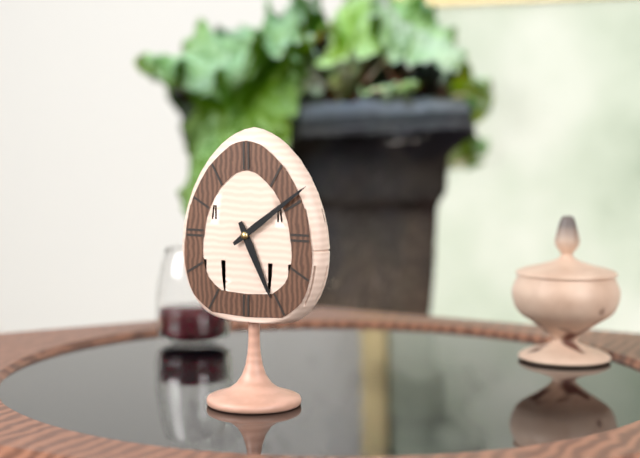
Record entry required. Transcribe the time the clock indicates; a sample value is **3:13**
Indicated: **5:09**
